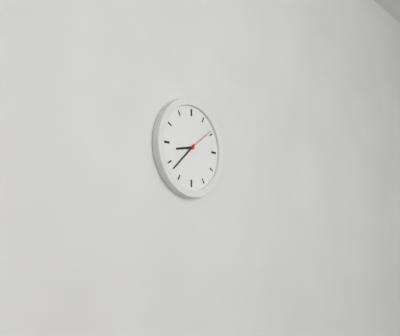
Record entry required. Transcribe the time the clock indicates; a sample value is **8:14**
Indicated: **8:38**
